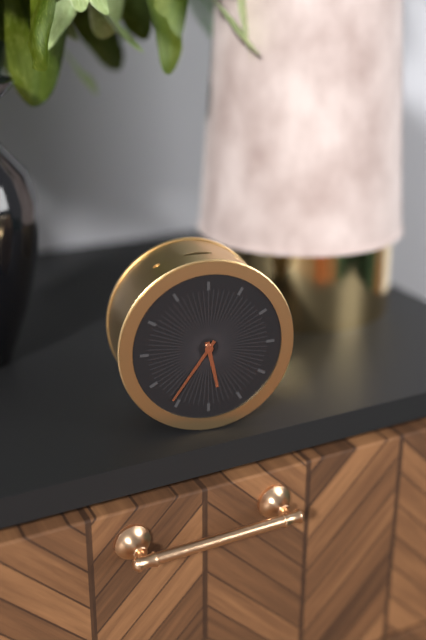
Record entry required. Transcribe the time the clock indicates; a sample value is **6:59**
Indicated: **5:36**
